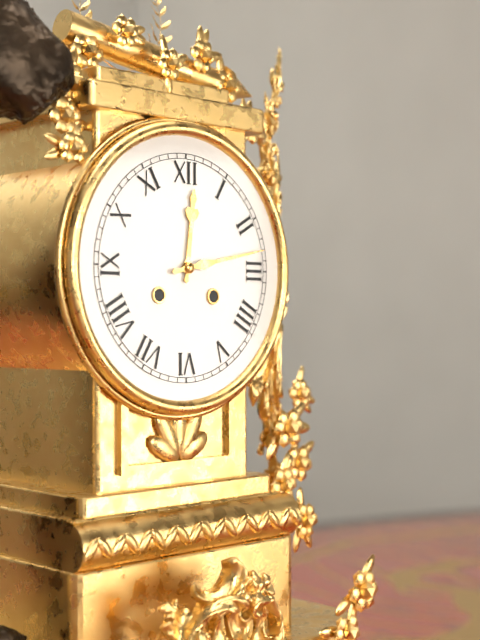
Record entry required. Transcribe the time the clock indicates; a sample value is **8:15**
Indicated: **12:13**
